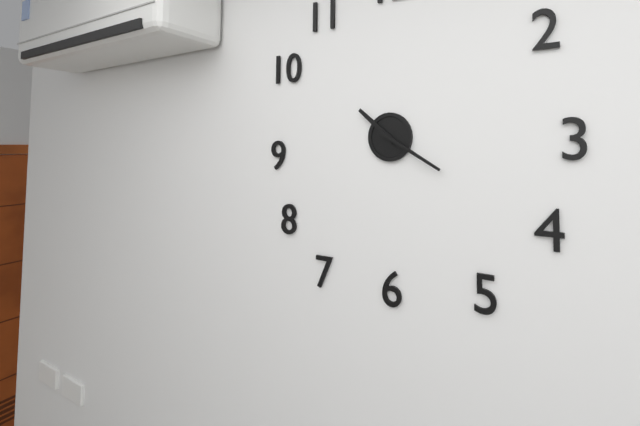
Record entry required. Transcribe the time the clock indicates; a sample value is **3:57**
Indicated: **10:20**
